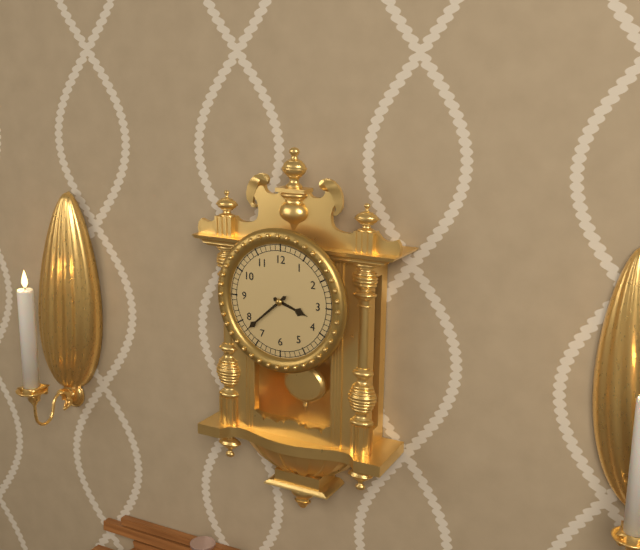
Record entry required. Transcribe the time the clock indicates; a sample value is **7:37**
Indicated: **3:38**
